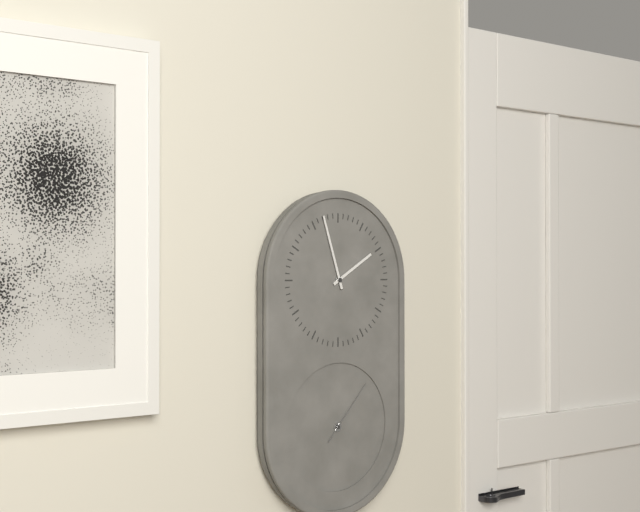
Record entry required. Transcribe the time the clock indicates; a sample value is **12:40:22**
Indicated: **1:57:07**
